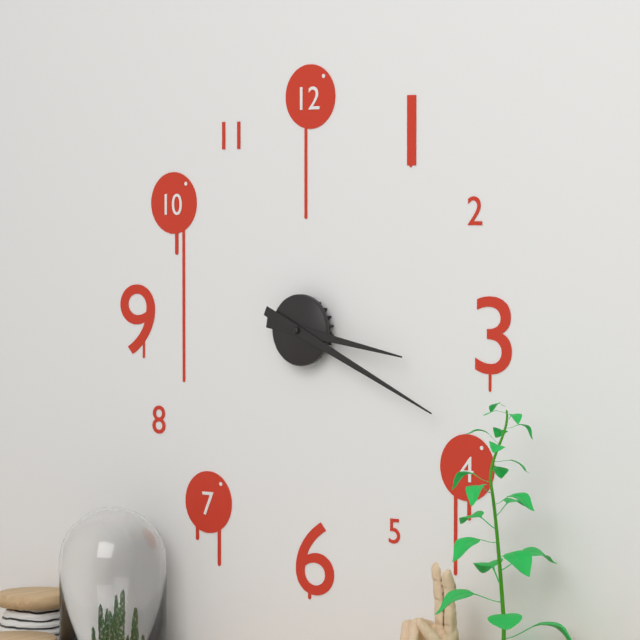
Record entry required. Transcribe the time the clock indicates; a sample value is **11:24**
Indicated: **3:19**
